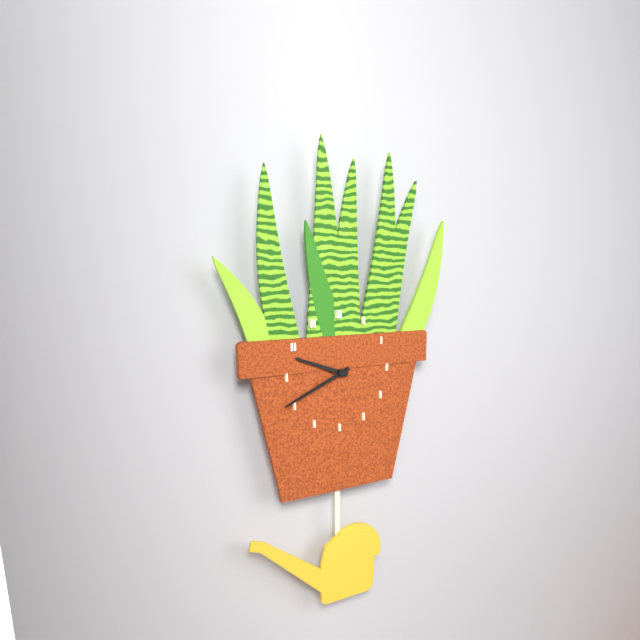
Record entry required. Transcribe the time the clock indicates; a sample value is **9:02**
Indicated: **9:41**
